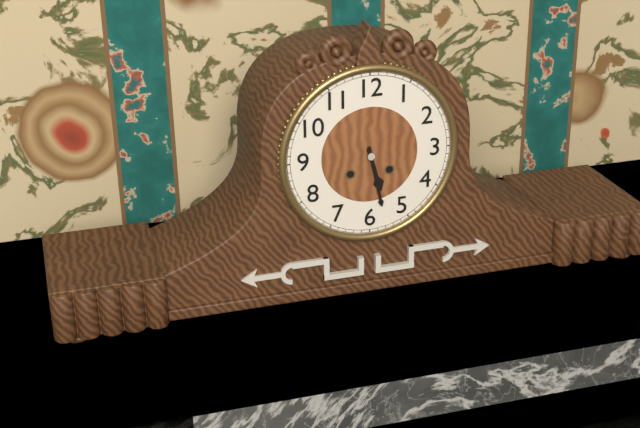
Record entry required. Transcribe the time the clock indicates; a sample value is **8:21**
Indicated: **5:28**
